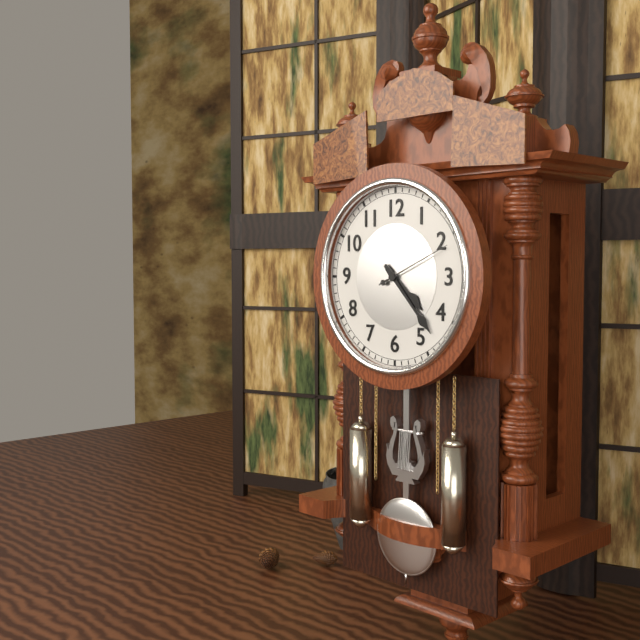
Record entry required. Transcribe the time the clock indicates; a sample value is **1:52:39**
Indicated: **4:23:11**
